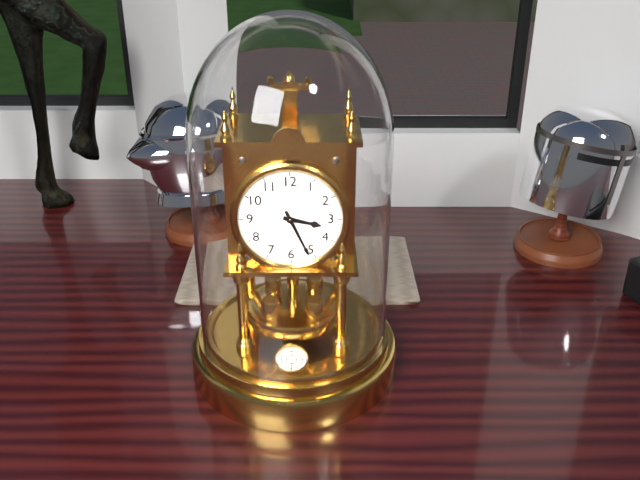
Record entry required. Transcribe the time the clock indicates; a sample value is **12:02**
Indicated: **3:26**
